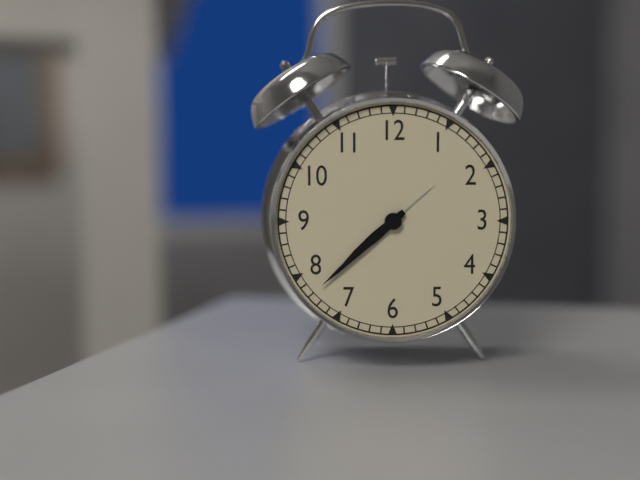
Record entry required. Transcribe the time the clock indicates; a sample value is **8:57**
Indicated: **7:38**
